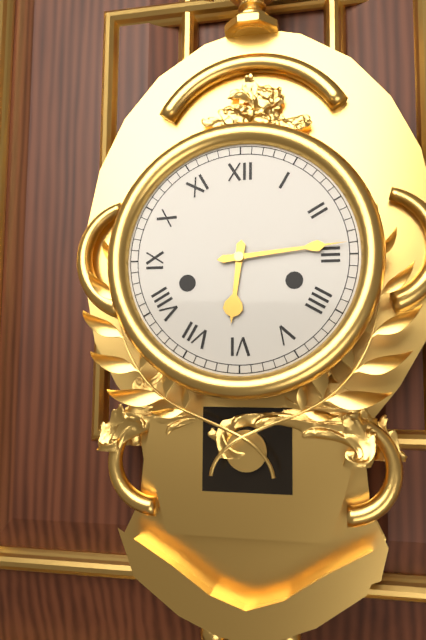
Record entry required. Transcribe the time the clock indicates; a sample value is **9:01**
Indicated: **6:14**
